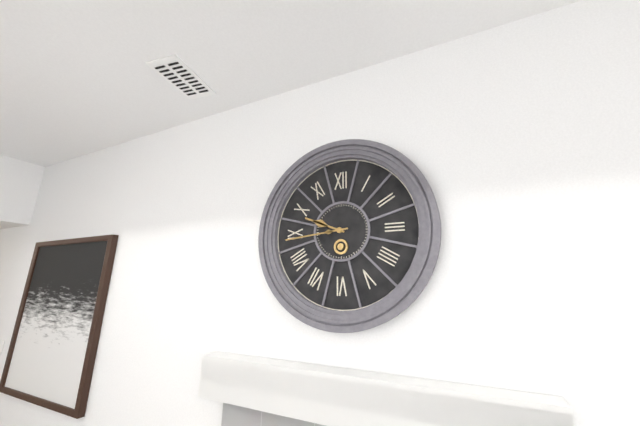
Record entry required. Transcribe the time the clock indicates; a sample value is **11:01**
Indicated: **9:44**
